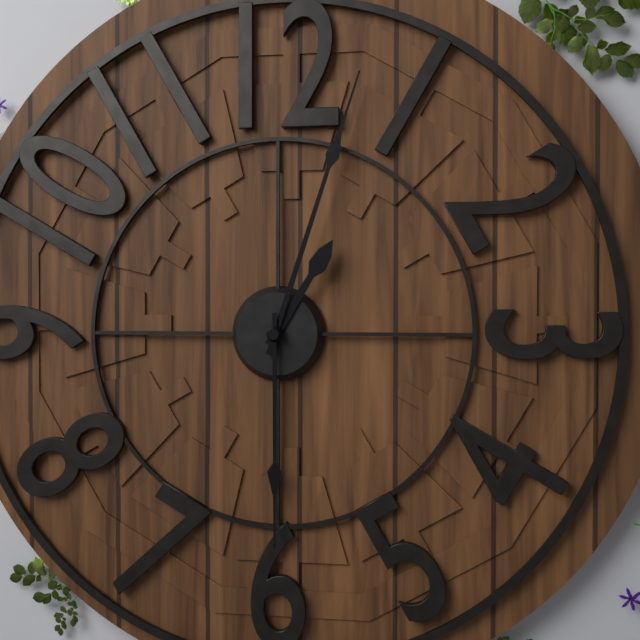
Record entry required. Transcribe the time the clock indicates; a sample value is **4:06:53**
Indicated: **1:03:30**
